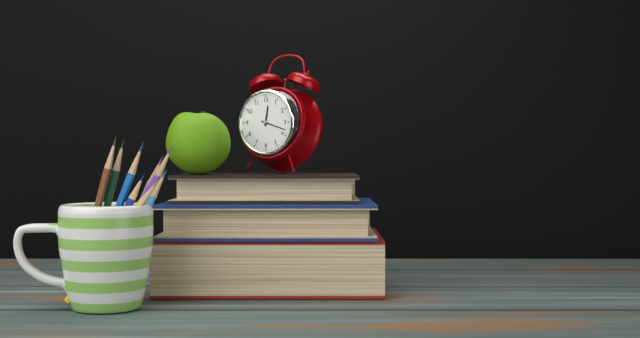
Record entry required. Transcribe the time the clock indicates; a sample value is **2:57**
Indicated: **12:18**
